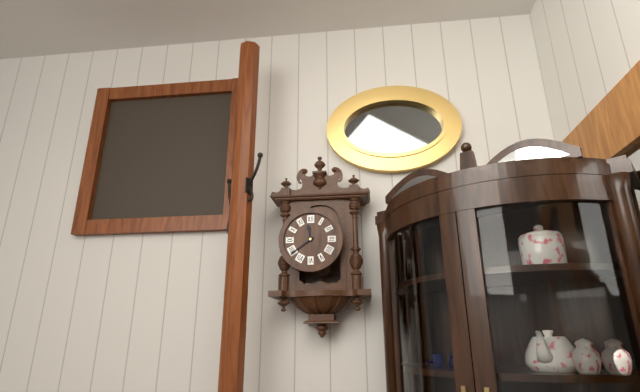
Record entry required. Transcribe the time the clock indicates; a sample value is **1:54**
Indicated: **11:39**
